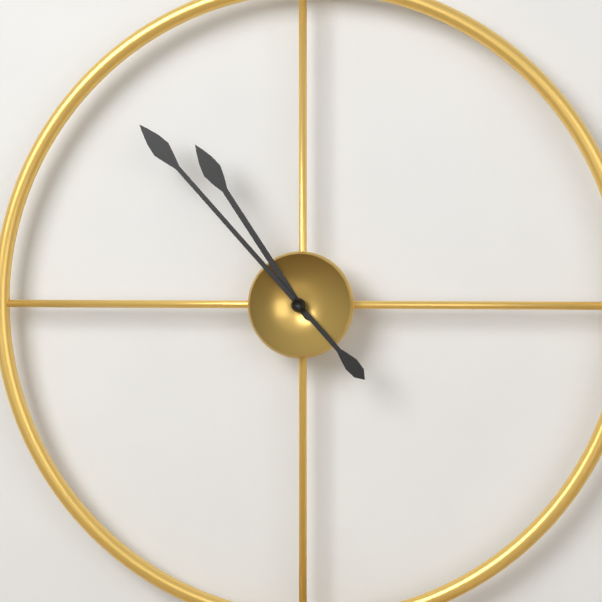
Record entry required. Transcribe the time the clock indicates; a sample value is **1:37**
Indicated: **10:53**
